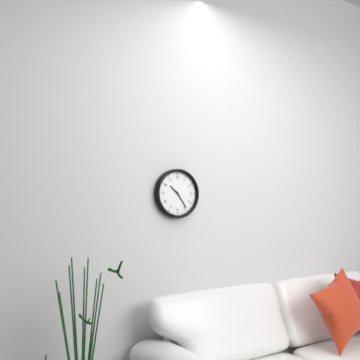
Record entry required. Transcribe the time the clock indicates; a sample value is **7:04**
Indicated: **10:24**
